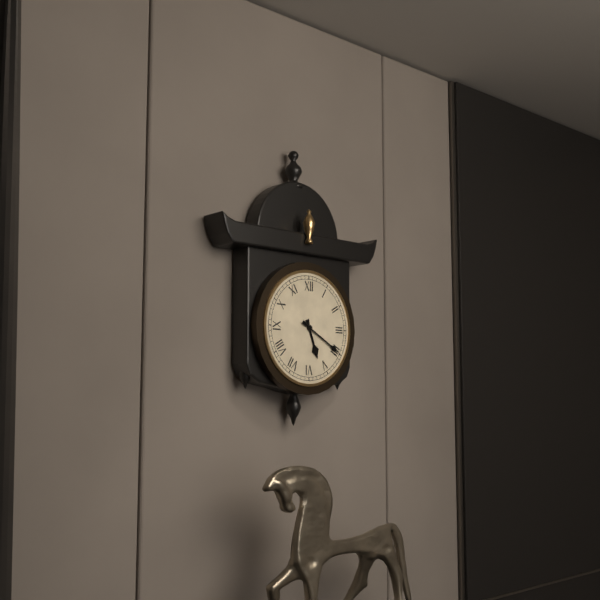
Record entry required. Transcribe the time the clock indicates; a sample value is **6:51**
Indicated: **5:20**
